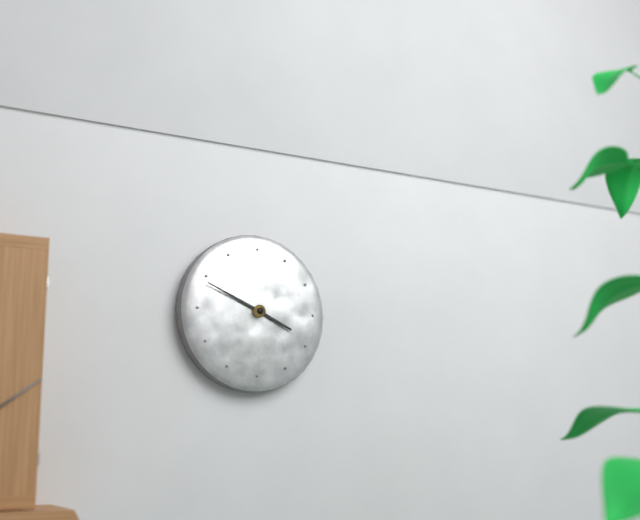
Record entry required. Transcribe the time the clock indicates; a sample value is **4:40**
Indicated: **3:49**
